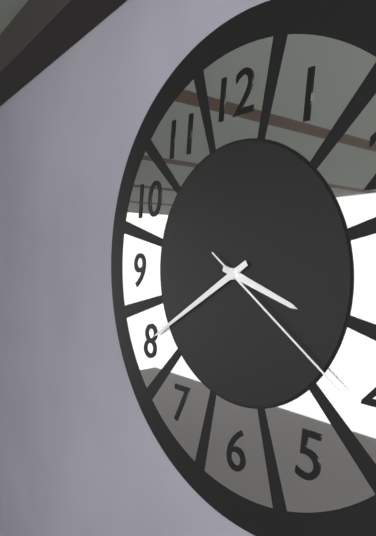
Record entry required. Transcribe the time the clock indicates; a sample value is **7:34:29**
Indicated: **3:40:21**
